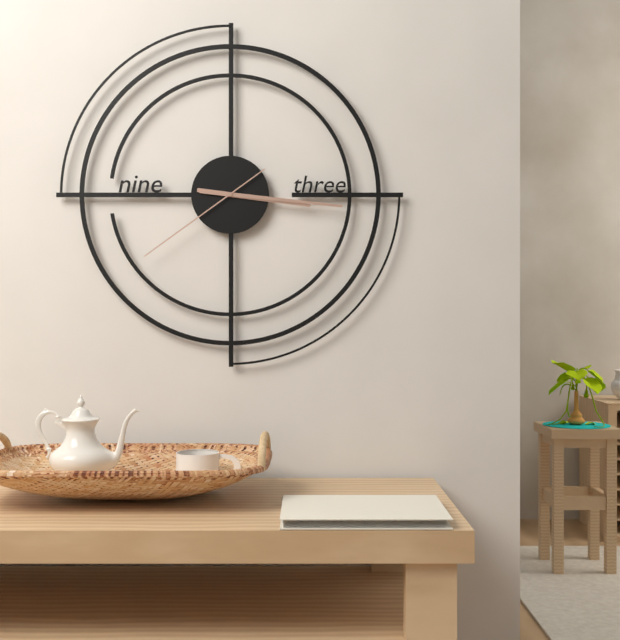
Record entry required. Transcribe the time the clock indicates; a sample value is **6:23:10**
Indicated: **3:16:39**
